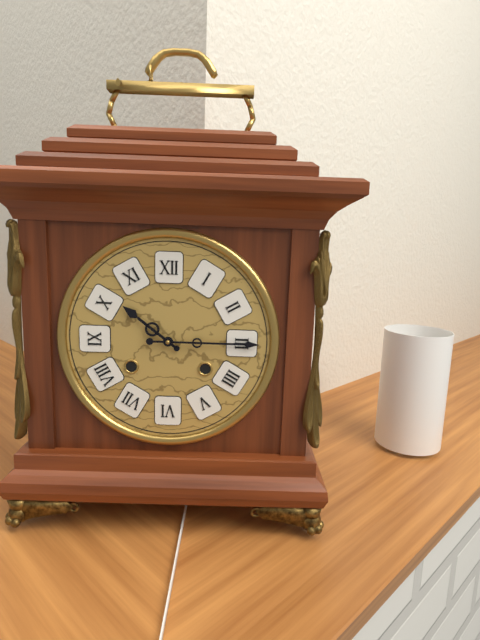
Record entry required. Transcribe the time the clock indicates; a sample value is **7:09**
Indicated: **10:15**
